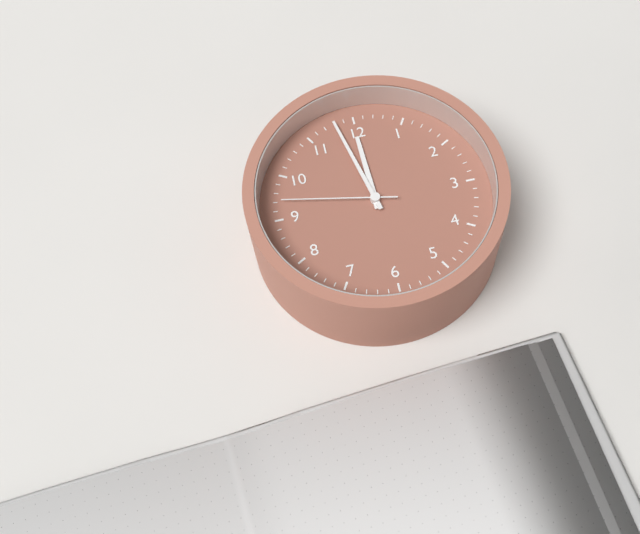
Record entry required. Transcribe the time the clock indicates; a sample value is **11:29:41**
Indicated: **11:58:47**
